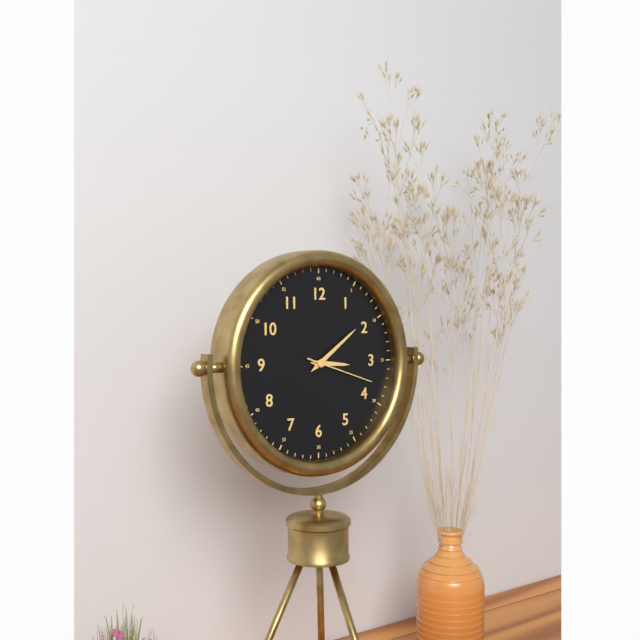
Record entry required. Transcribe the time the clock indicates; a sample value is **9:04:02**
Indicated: **3:09:18**
